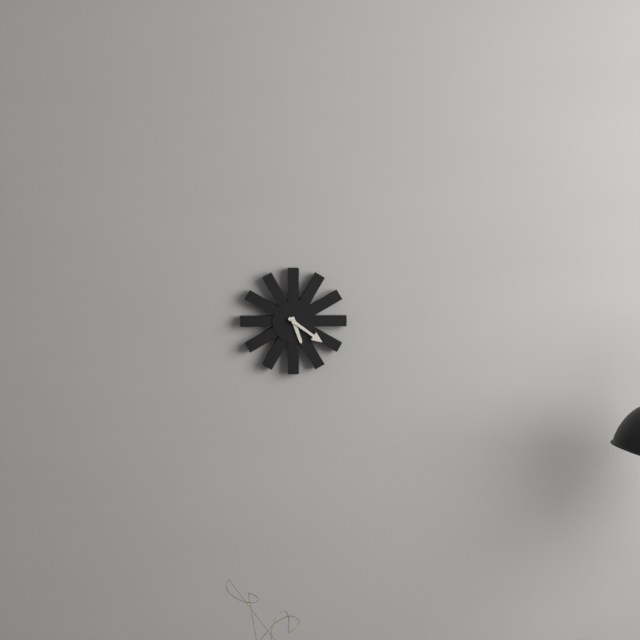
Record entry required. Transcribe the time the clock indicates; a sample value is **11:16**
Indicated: **5:21**
